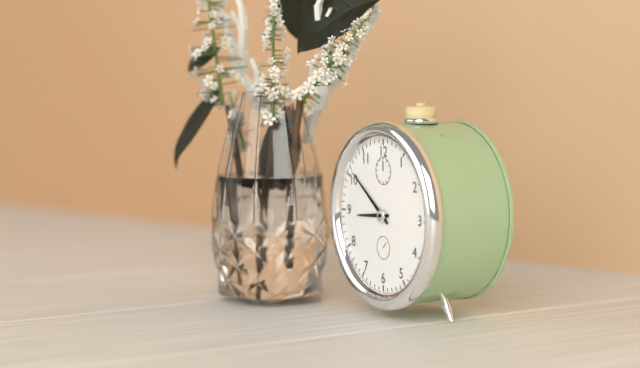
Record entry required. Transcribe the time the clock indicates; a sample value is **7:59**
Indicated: **8:51**
